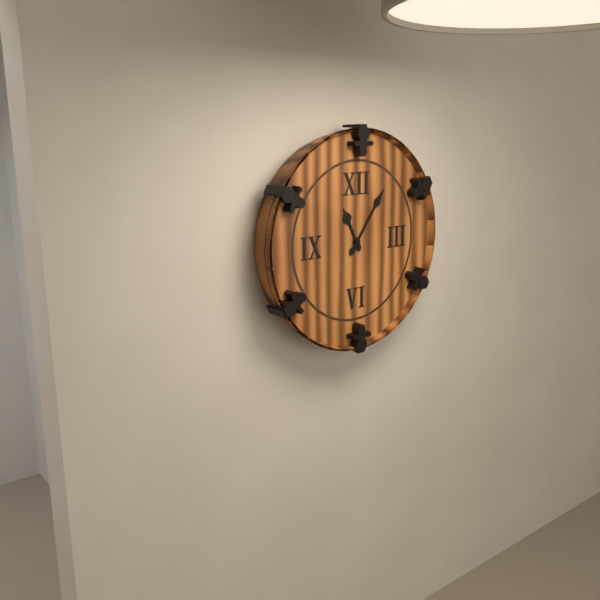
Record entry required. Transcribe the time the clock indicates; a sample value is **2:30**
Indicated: **11:06**
